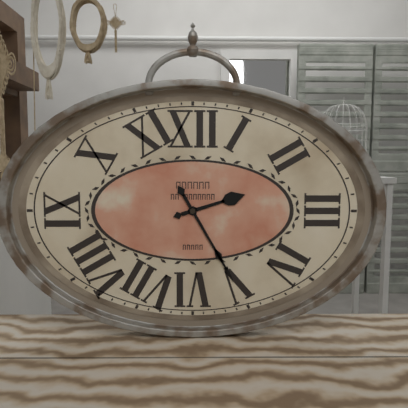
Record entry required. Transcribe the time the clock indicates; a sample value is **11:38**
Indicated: **2:25**
